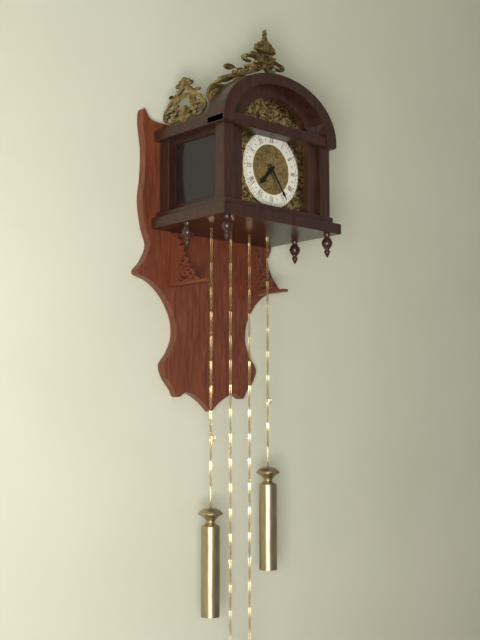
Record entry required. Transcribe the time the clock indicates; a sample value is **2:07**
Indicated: **7:24**
